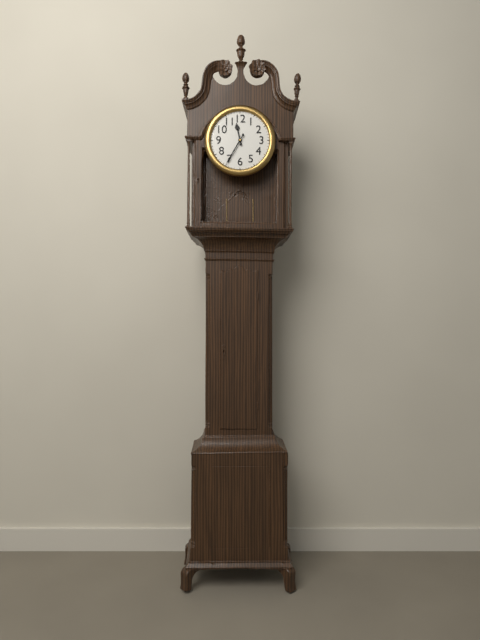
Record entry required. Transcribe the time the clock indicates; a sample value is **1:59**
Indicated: **11:35**
